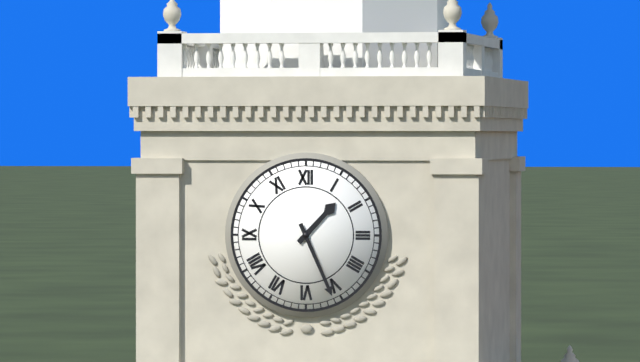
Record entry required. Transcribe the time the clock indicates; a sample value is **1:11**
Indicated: **1:26**
